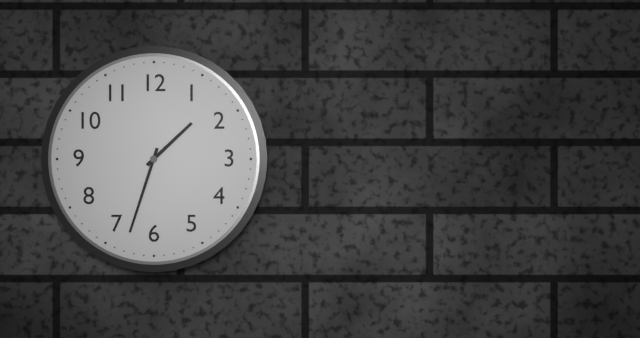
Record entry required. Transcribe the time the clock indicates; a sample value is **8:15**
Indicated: **1:33**
